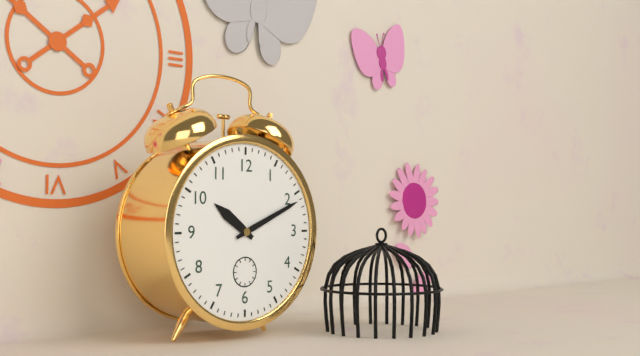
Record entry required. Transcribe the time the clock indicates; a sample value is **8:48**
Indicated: **10:11**
